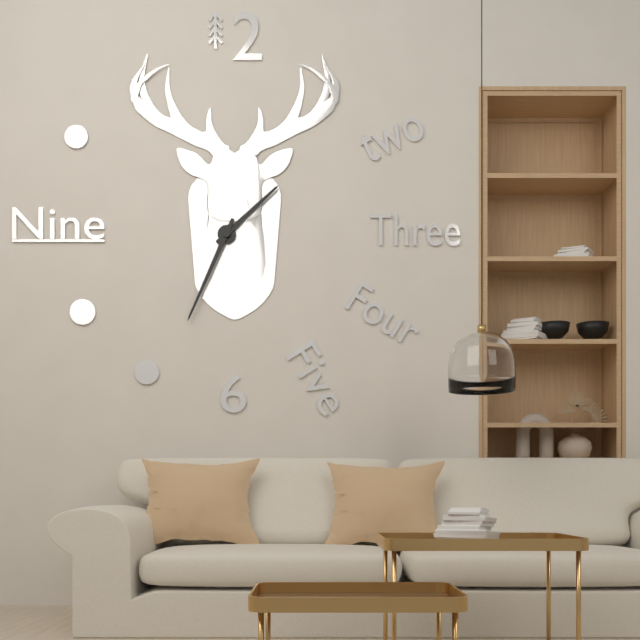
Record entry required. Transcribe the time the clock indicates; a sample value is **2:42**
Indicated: **1:34**
